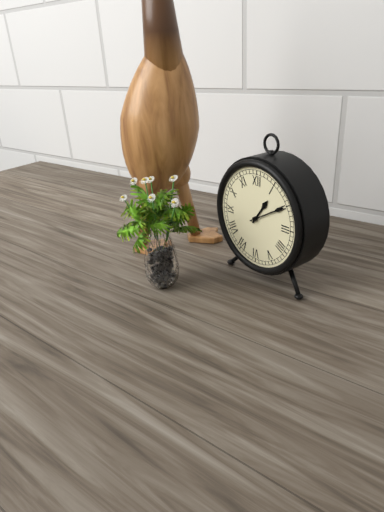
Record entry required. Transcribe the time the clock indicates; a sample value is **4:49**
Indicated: **1:10**
